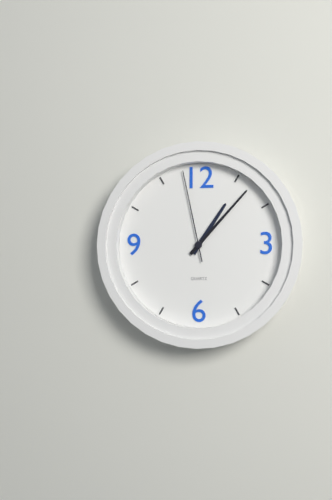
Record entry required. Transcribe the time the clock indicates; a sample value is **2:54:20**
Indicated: **1:07:58**
